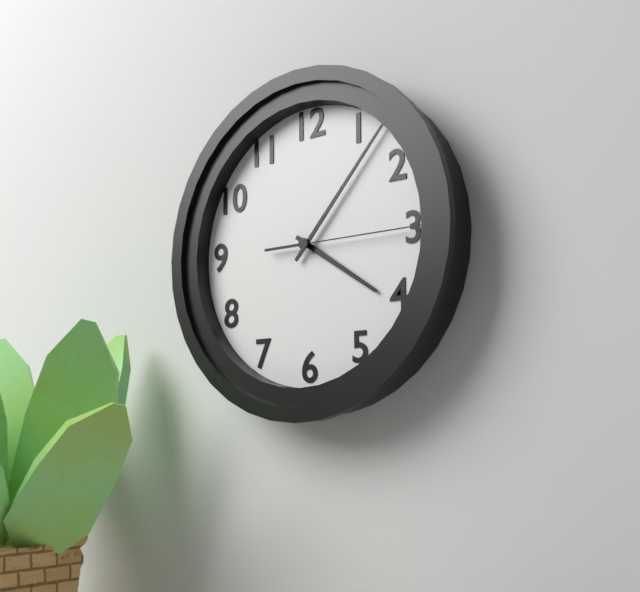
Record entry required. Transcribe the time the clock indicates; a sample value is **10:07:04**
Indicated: **4:07:15**
